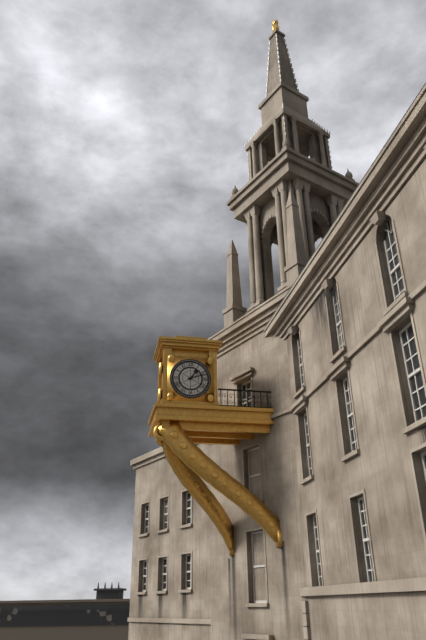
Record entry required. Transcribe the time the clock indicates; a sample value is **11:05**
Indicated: **1:12**
